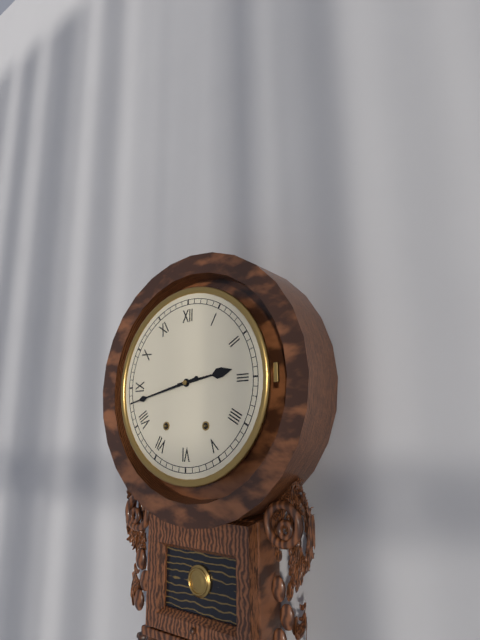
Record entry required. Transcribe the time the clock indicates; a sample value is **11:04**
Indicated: **2:43**
